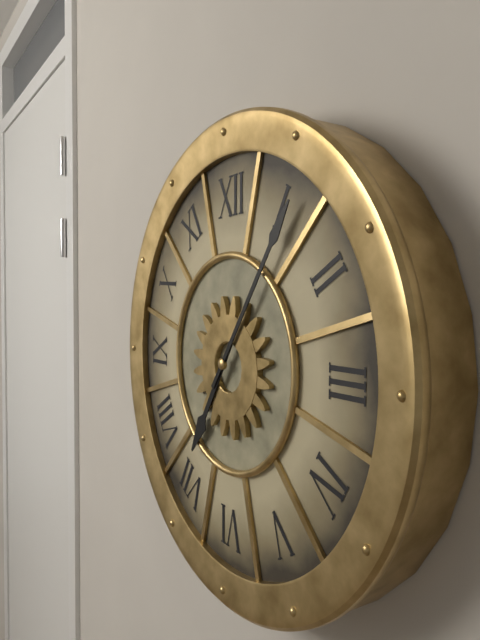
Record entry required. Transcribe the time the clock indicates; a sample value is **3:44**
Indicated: **7:06**
